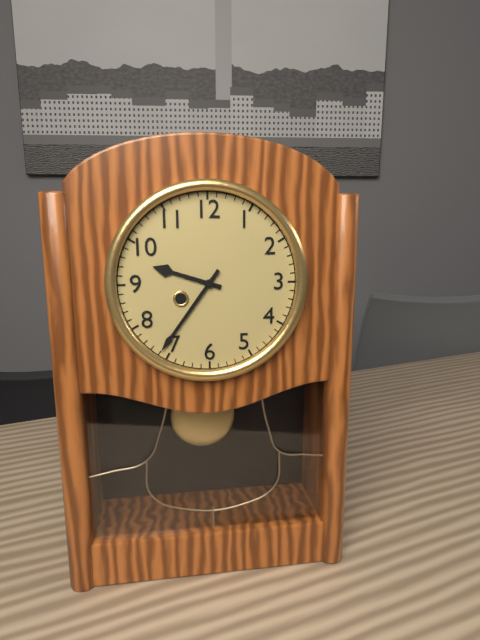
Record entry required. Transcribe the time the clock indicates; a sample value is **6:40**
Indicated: **9:36**
